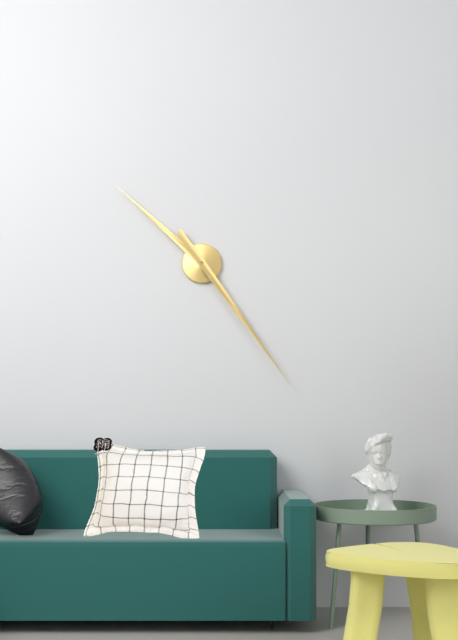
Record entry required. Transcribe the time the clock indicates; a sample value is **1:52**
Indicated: **10:24**
